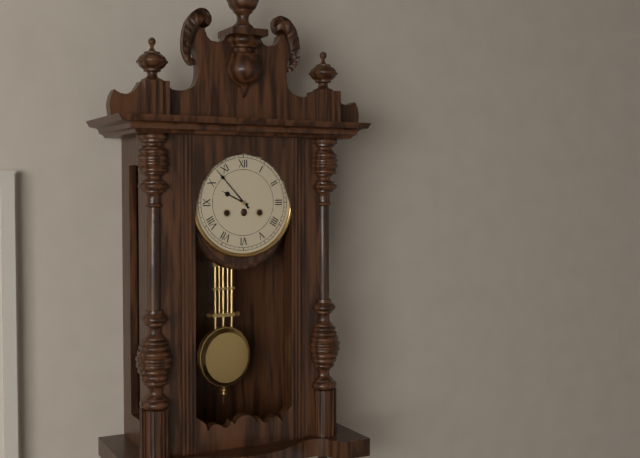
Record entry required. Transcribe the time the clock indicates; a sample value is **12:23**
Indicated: **9:53**
